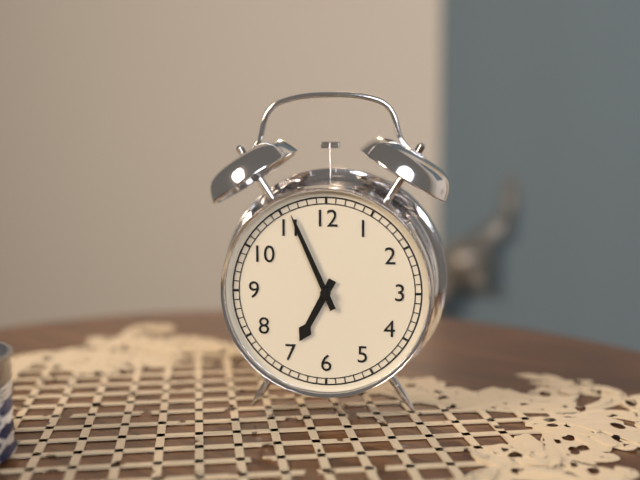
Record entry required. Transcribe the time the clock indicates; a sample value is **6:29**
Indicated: **6:56**
